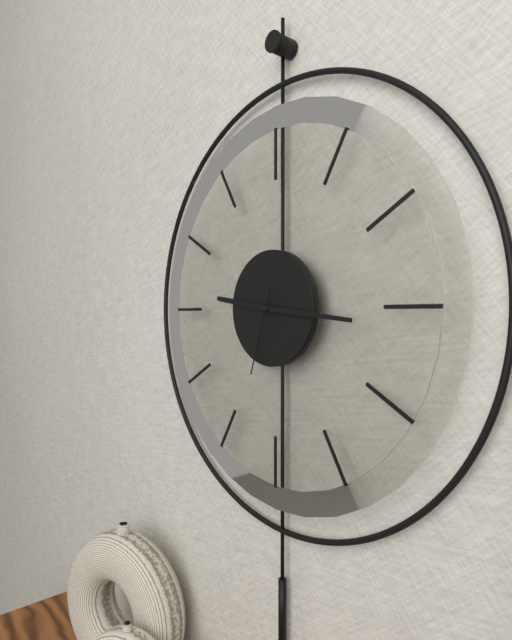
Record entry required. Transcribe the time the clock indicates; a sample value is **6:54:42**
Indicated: **9:16:33**
